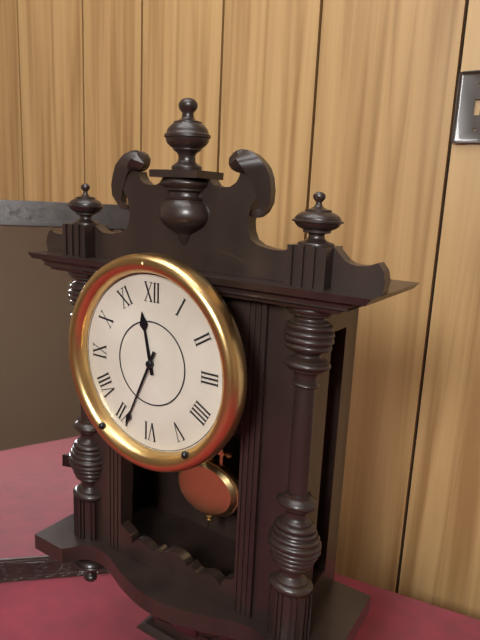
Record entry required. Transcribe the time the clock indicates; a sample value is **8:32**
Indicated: **11:34**
